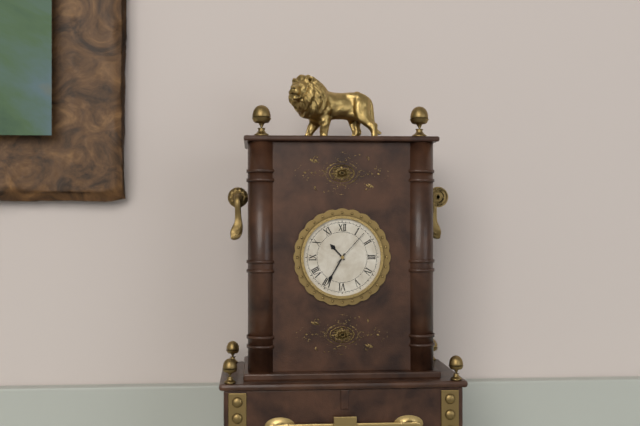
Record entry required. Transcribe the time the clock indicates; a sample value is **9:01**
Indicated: **10:35**
